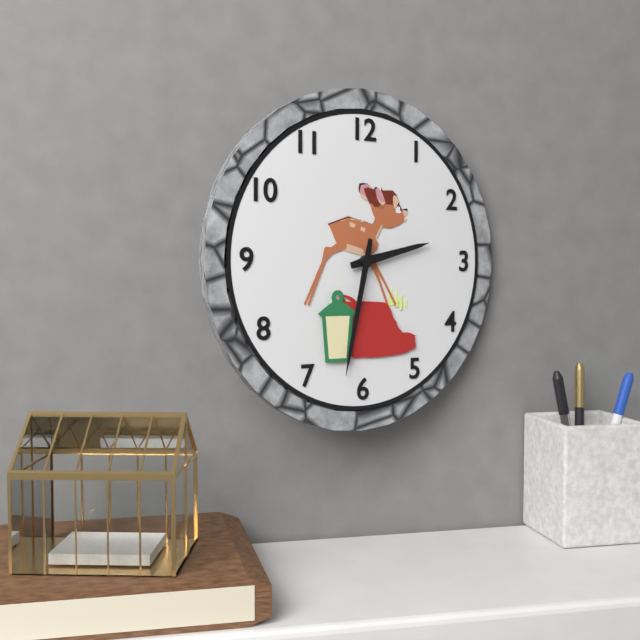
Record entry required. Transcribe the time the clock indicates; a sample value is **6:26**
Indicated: **2:32**
